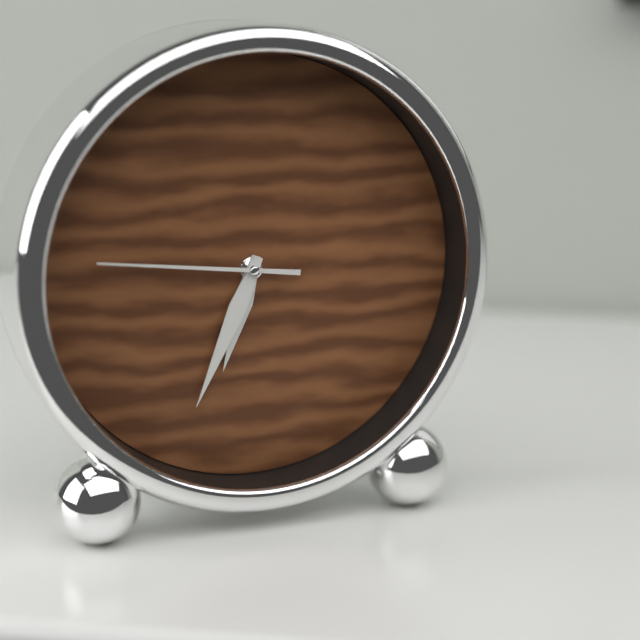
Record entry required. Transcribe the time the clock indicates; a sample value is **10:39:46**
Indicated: **6:34:46**
